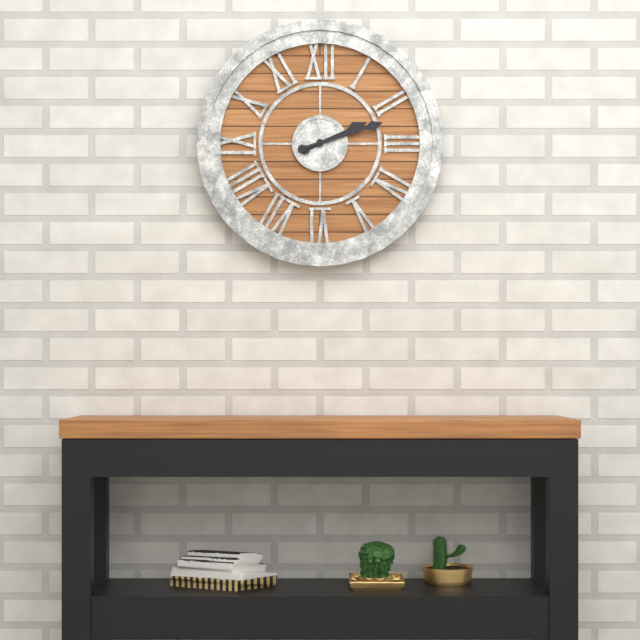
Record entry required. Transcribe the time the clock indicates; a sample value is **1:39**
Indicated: **2:12**
